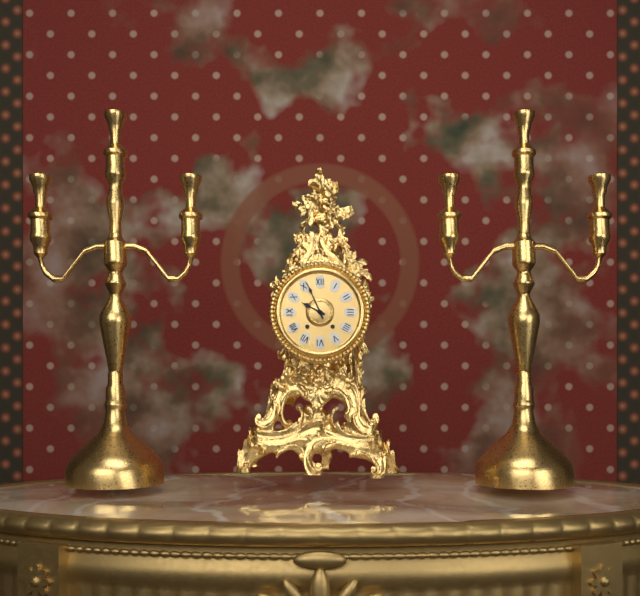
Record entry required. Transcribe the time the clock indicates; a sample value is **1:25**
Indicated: **9:56**
